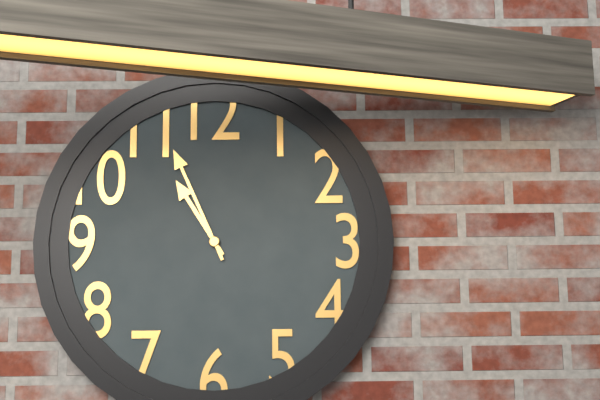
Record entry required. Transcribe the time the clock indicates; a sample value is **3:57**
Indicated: **10:56**
